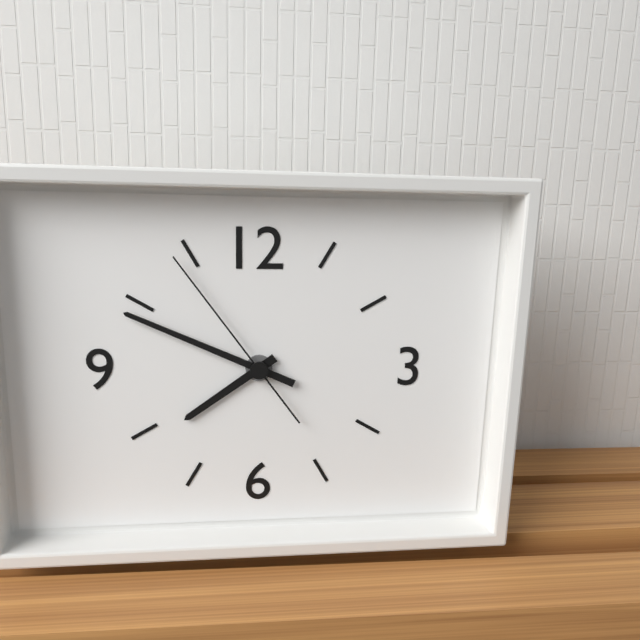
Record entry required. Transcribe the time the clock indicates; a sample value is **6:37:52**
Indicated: **7:49:54**
